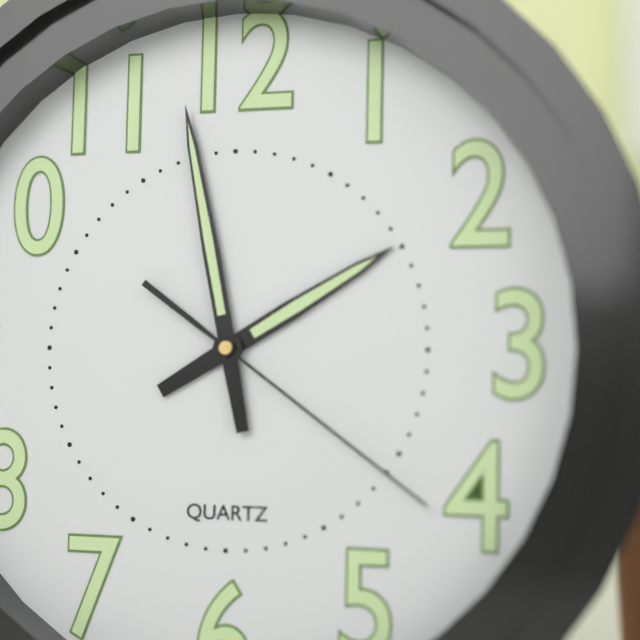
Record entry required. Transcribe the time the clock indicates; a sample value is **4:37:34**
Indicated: **1:58:21**
